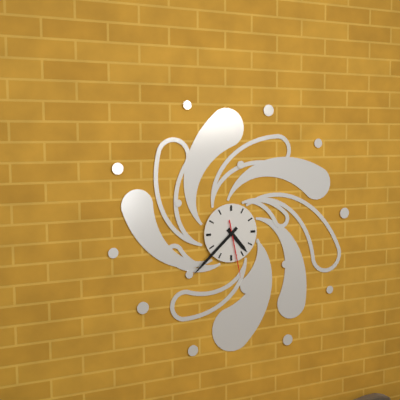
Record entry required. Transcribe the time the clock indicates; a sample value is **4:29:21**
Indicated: **4:38:28**
